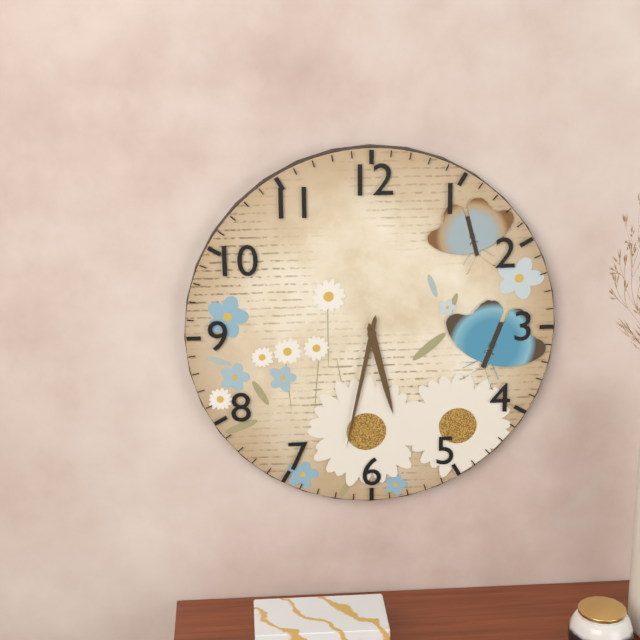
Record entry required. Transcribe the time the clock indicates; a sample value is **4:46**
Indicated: **5:32**
